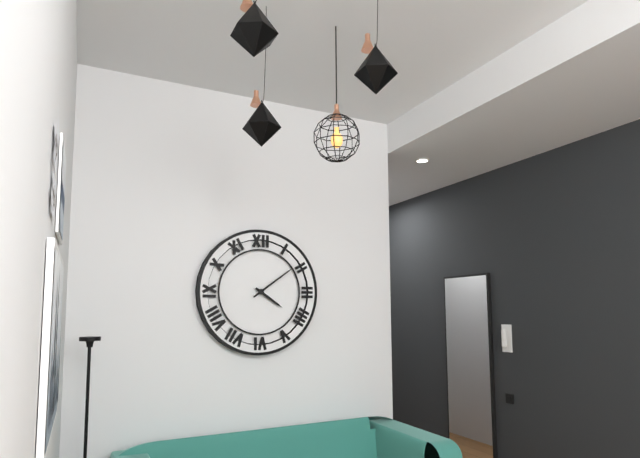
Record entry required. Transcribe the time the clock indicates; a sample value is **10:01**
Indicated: **4:09**
